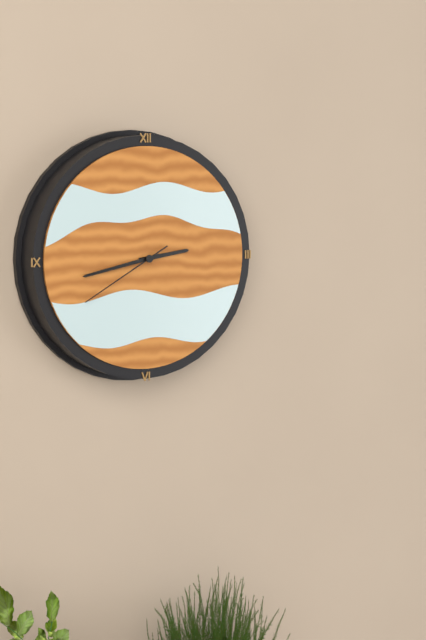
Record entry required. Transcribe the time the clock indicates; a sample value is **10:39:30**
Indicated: **2:43:40**
